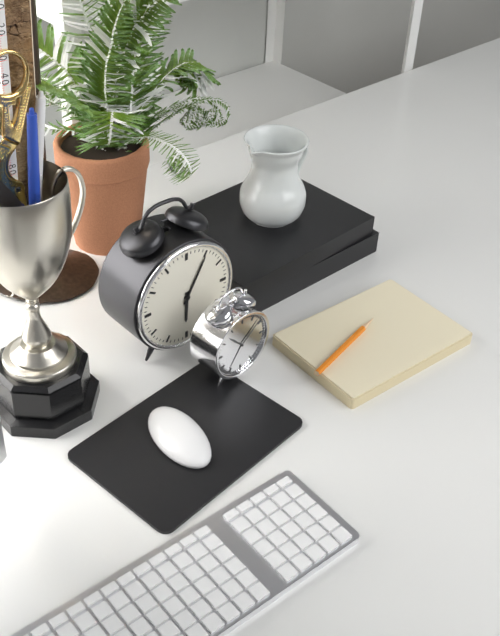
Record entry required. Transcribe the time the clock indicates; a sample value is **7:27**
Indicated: **6:05**
